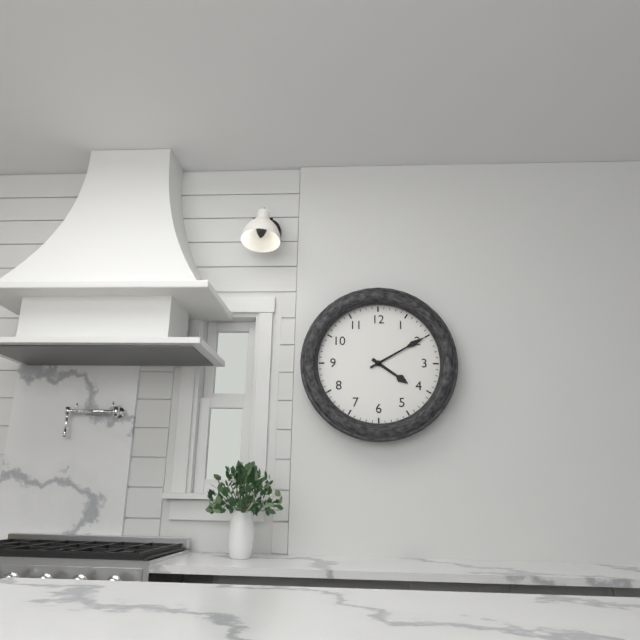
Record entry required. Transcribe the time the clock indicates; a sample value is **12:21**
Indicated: **4:10**
